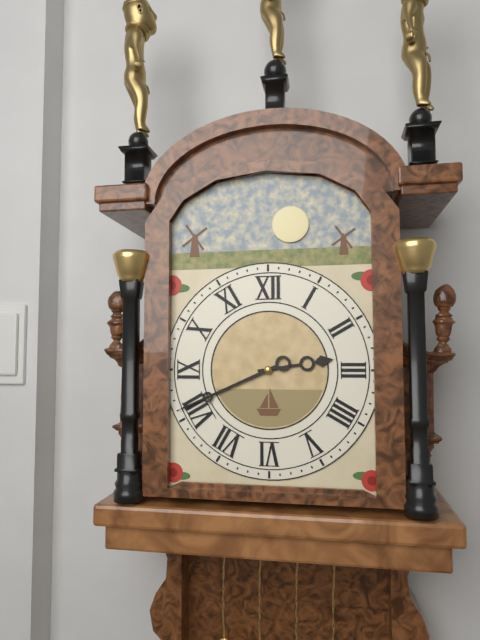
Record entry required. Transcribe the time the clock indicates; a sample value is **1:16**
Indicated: **2:41**
